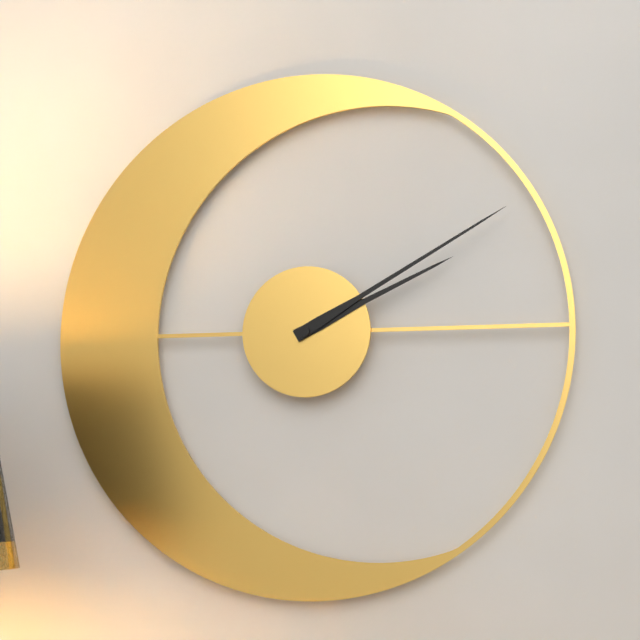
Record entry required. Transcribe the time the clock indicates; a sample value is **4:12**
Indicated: **2:10**
